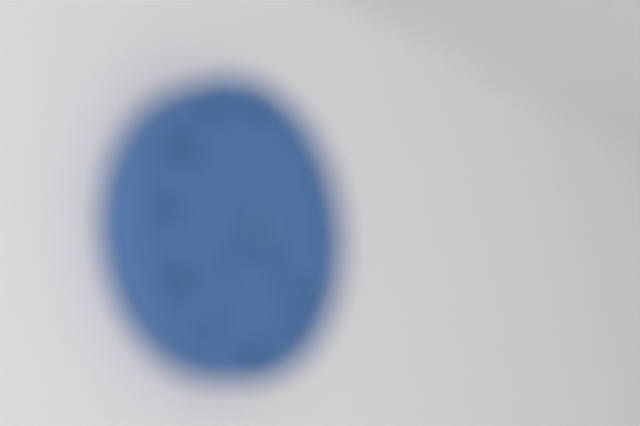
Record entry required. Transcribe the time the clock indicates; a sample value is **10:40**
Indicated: **7:23**
